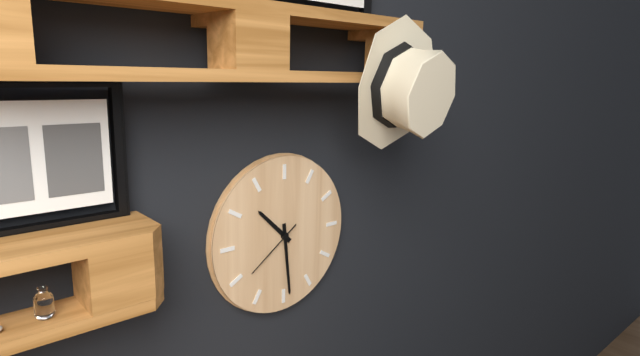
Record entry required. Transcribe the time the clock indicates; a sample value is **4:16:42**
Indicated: **10:29:39**
